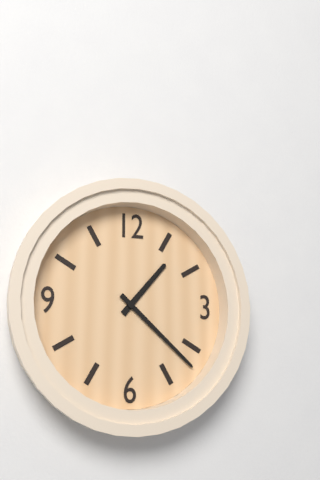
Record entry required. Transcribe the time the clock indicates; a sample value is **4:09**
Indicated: **1:22**
